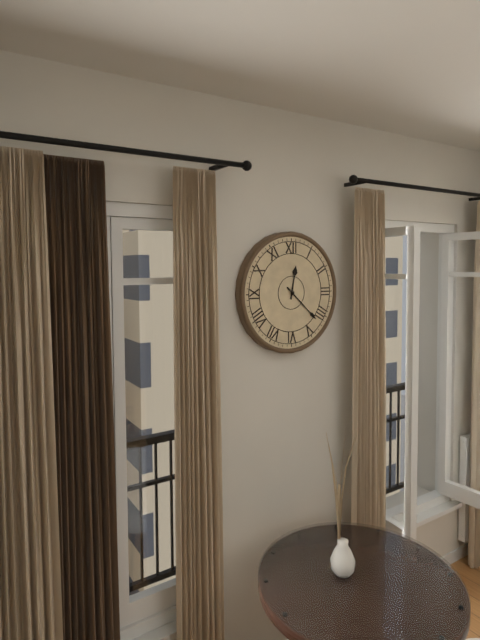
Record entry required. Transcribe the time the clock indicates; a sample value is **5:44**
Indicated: **12:22**
